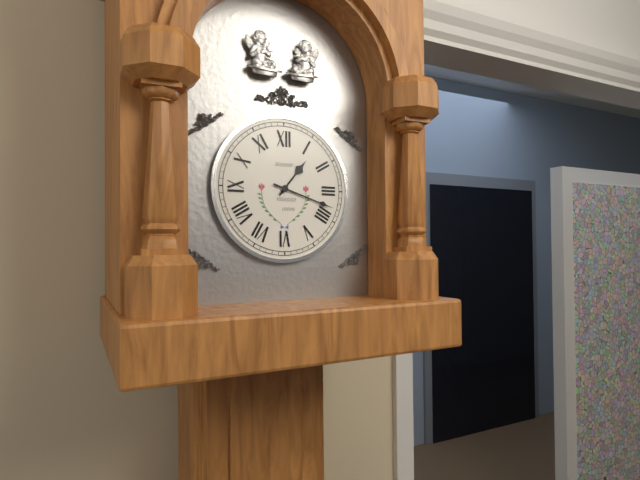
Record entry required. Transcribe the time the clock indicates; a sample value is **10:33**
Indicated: **1:18**
